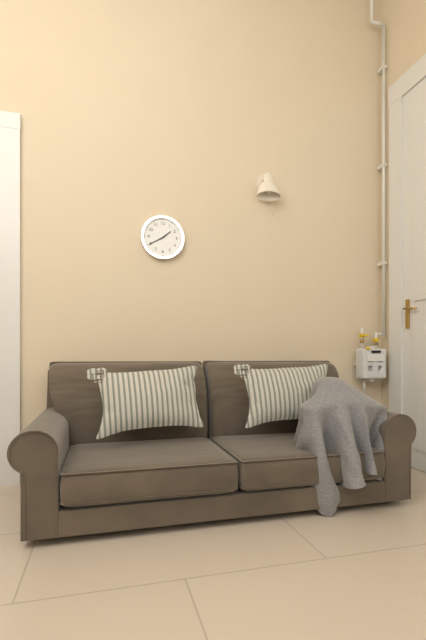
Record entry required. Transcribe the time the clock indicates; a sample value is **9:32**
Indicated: **1:40**
